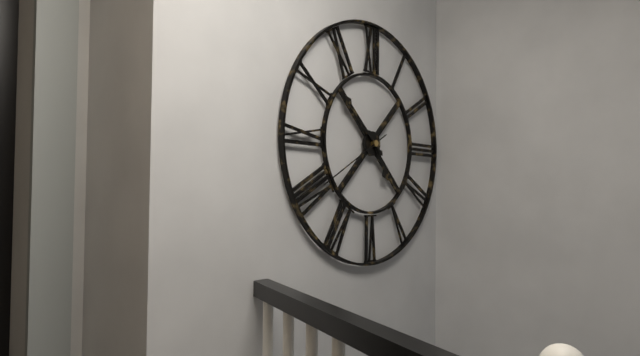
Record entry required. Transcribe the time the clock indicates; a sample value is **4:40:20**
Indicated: **4:52:40**
